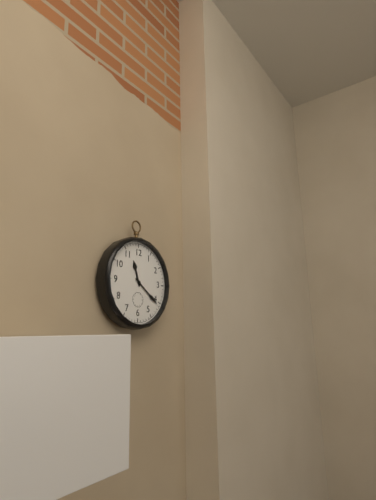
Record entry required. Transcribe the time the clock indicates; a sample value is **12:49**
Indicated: **11:21**
